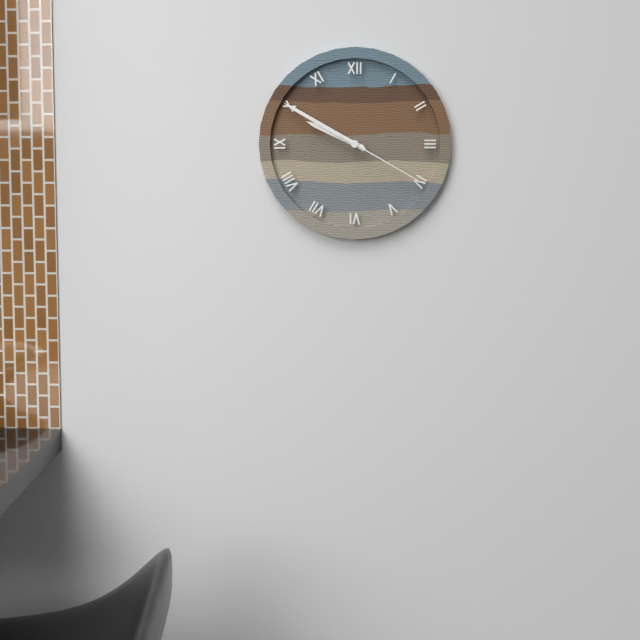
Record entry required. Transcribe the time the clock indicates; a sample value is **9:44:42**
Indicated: **9:50:20**
